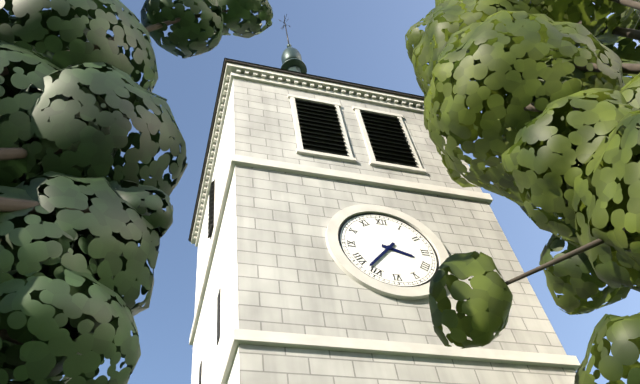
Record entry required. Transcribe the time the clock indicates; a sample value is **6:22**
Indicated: **3:37**
